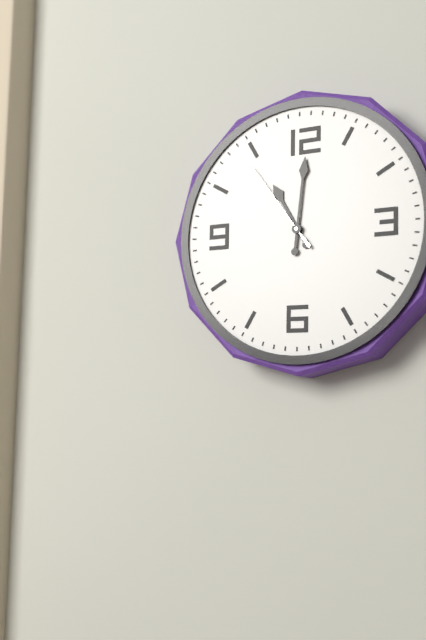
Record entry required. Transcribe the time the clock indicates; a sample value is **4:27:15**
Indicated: **11:01:54**
